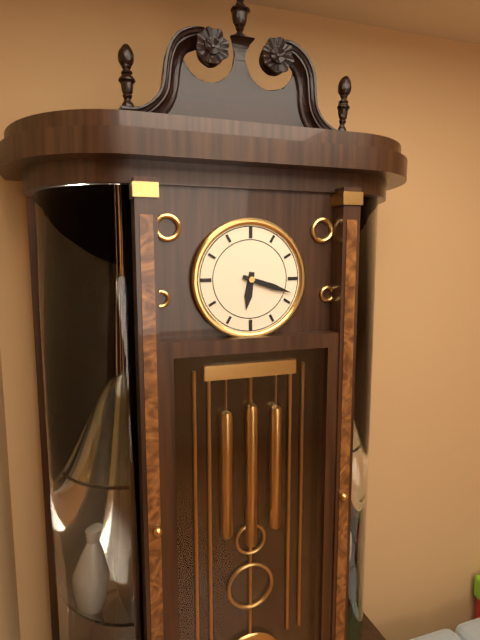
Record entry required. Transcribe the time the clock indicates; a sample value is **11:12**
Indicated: **6:18**
